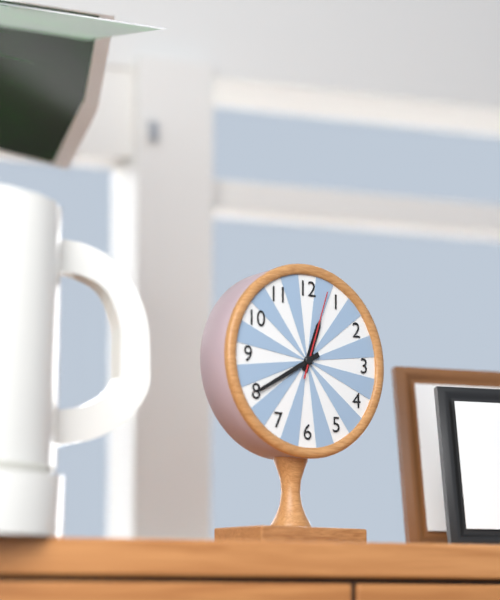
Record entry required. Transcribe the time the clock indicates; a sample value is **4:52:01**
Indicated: **12:40:03**
